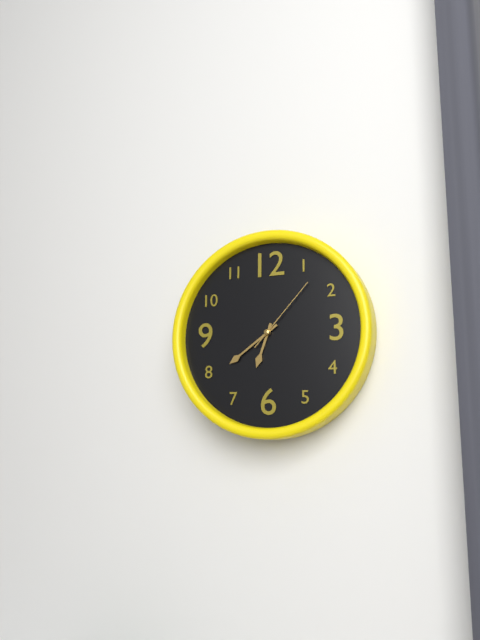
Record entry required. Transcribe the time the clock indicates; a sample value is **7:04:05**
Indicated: **6:39:07**
